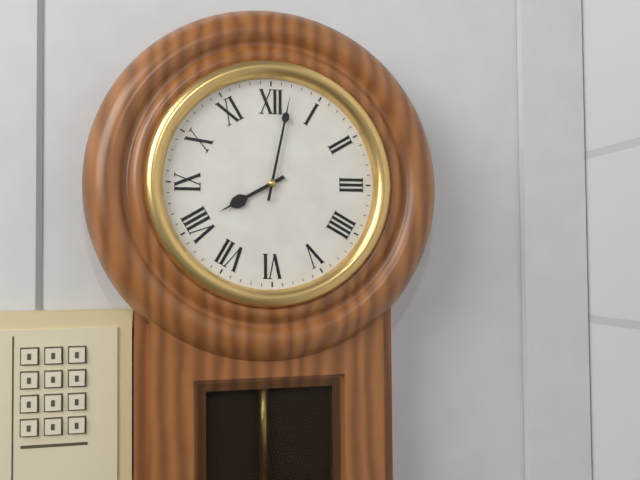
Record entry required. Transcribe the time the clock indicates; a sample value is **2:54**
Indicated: **8:02**
